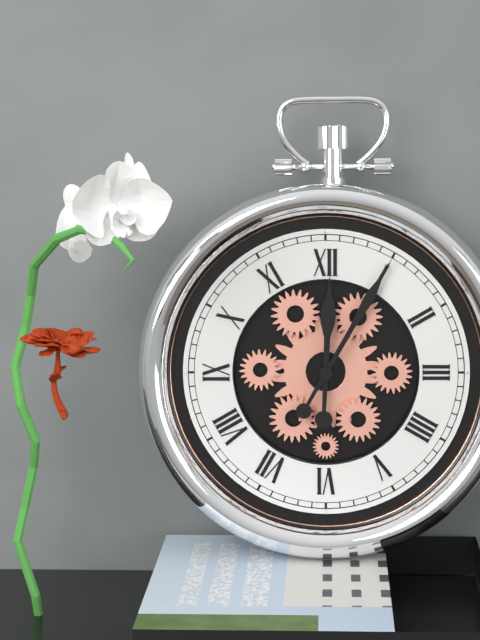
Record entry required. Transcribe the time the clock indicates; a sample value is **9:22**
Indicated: **12:05**
